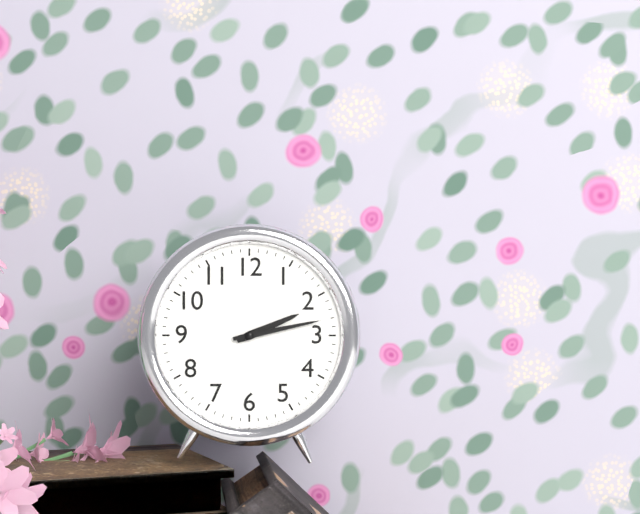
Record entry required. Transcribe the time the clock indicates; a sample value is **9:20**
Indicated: **2:13**
